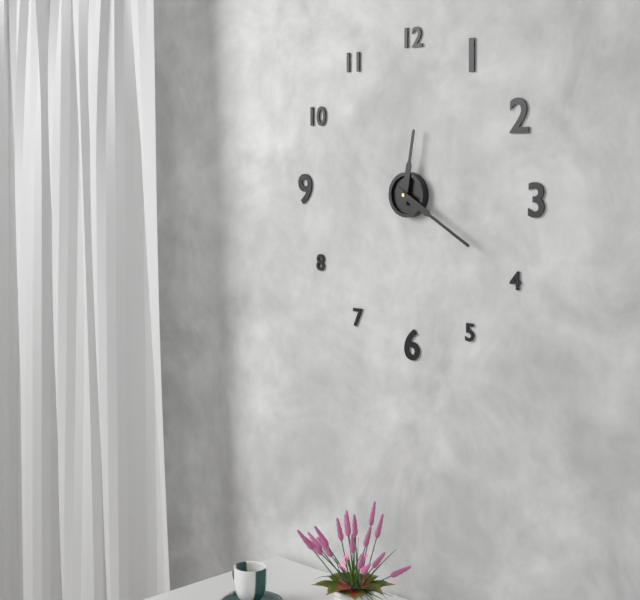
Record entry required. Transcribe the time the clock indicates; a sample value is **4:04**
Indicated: **12:20**
